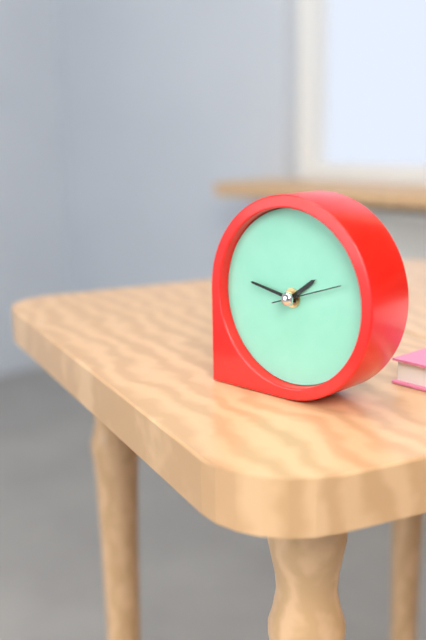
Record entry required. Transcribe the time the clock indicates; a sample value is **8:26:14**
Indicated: **1:47:12**
